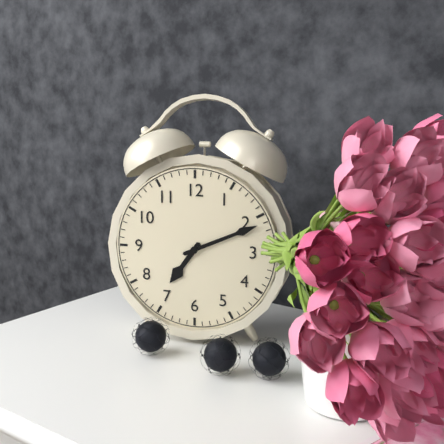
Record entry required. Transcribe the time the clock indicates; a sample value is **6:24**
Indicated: **7:11**
